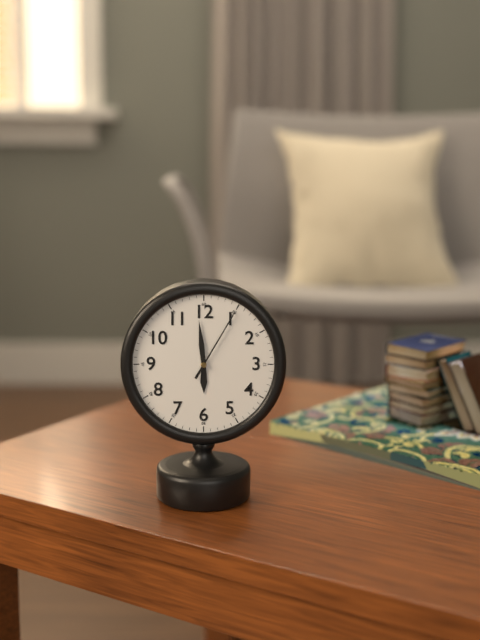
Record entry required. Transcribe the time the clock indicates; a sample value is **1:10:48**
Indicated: **5:59:05**
